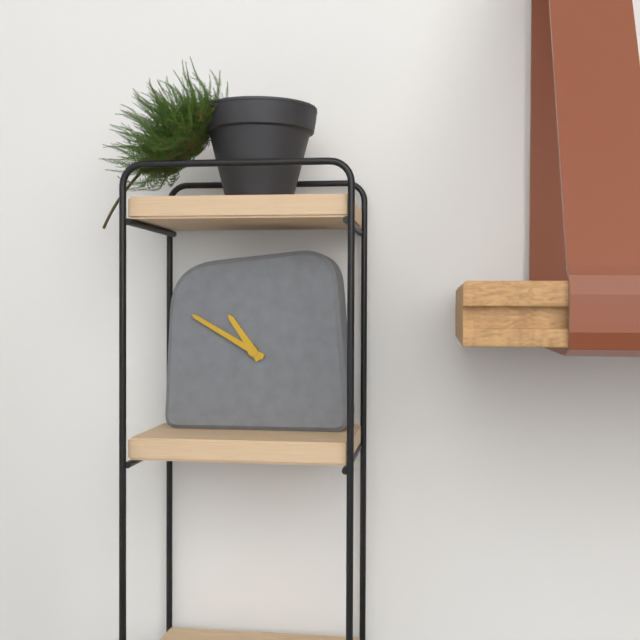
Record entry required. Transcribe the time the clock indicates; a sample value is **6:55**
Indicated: **10:50**
